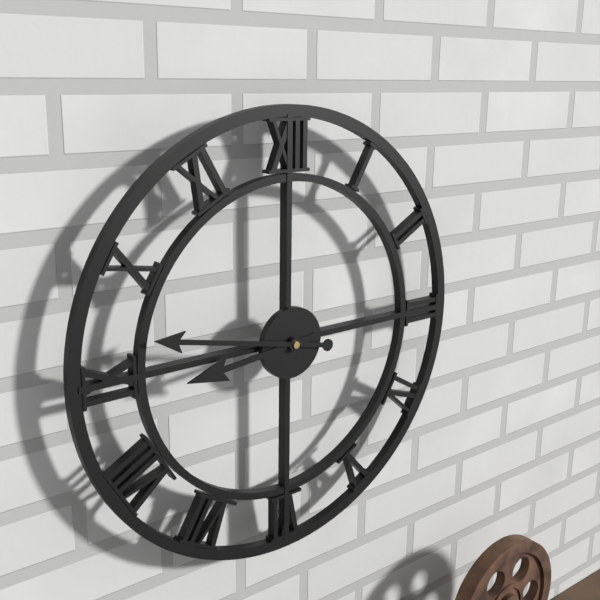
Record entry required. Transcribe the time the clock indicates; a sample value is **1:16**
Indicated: **8:47**
